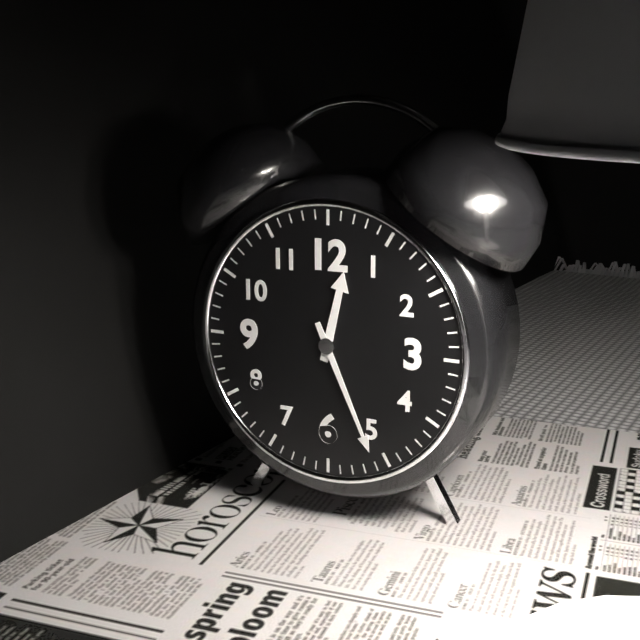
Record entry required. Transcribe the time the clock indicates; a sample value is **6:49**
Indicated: **12:26**
